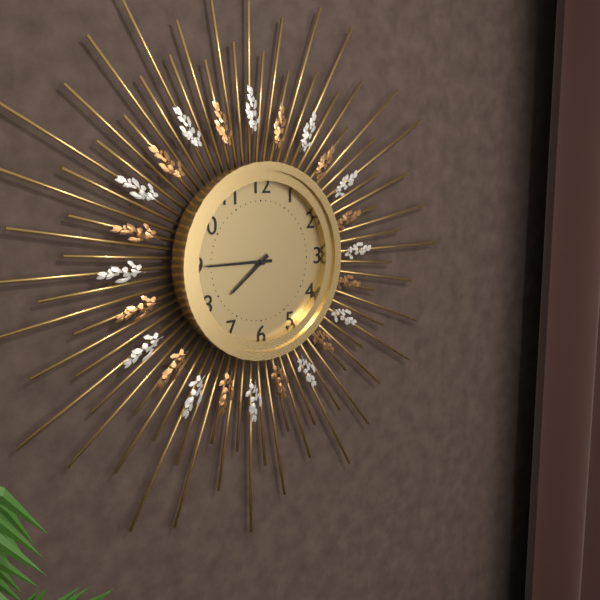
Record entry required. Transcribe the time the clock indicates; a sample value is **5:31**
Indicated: **7:45**
